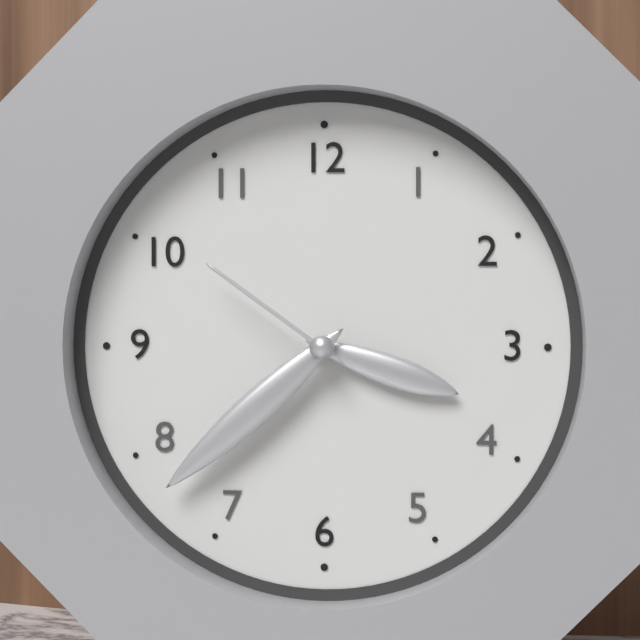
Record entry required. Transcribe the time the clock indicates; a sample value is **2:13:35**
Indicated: **3:38:51**
